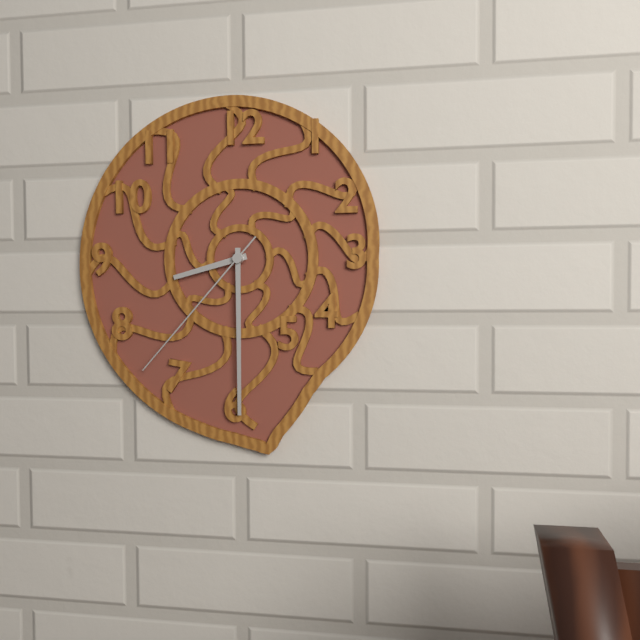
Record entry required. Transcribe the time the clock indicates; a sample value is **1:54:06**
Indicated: **8:30:37**
